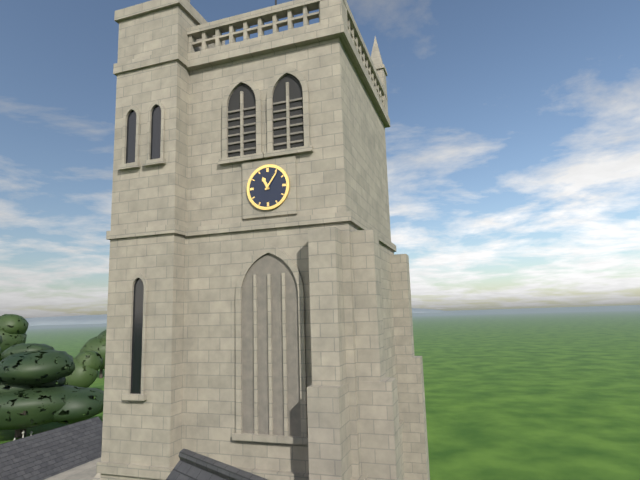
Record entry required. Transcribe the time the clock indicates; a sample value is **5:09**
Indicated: **11:06**
